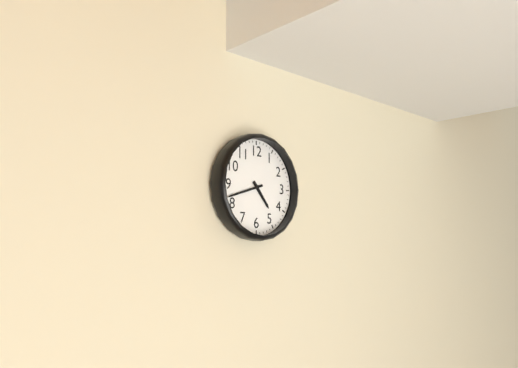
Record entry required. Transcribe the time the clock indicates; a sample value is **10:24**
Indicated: **4:42**
